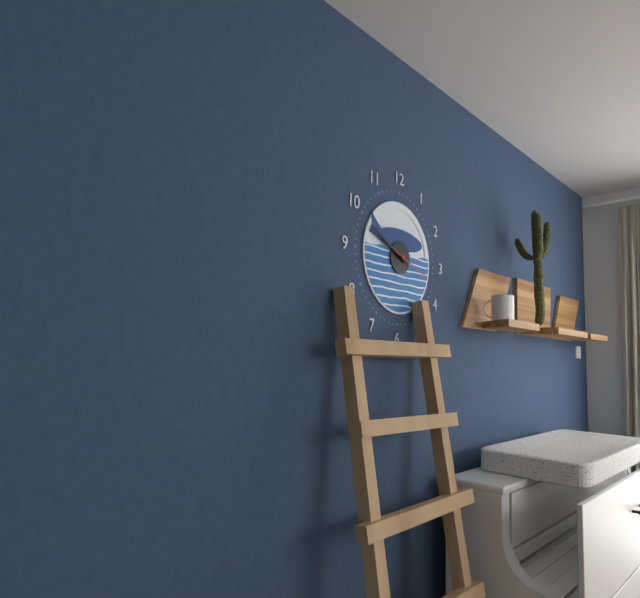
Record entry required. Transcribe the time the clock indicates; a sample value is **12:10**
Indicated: **9:49**
